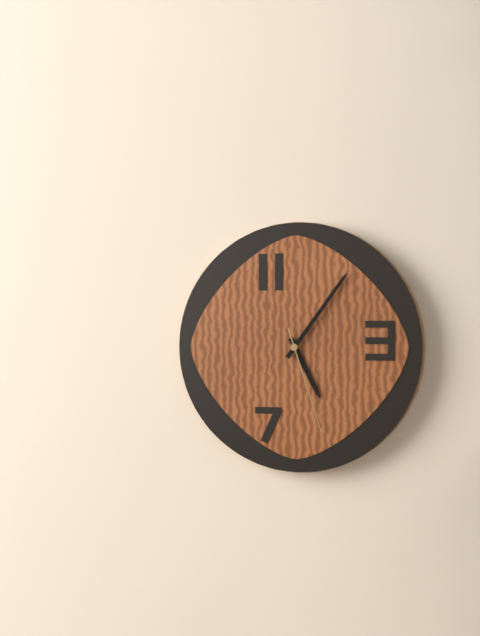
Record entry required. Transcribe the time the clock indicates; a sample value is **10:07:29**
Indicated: **5:06:27**
